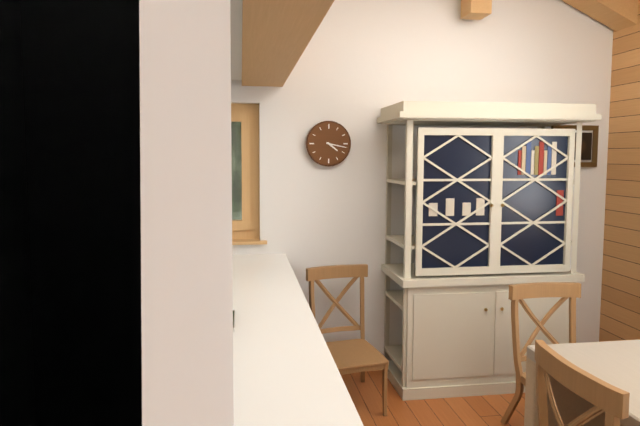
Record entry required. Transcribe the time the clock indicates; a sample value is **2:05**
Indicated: **4:17**
